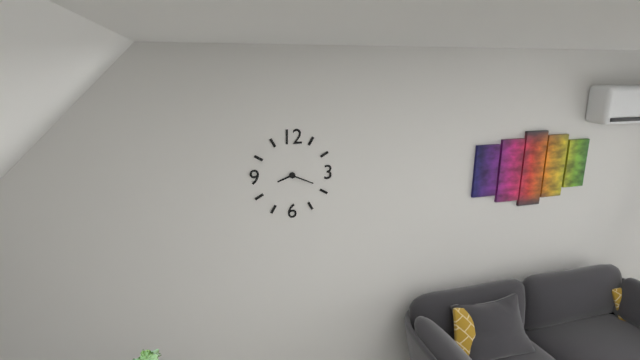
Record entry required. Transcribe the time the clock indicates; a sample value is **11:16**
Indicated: **8:19**
